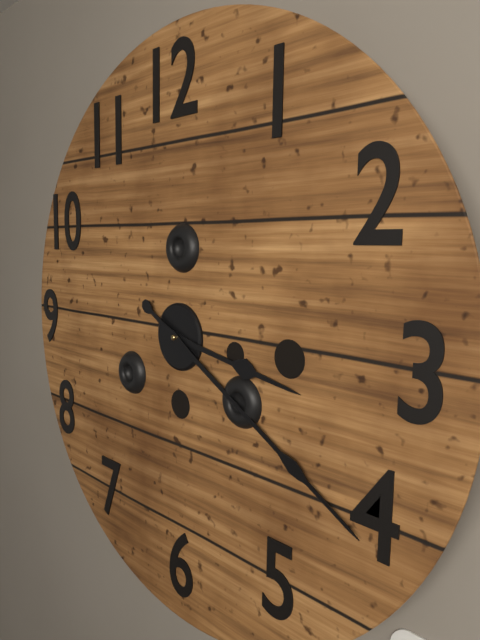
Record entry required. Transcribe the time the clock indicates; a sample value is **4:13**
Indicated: **3:20**
